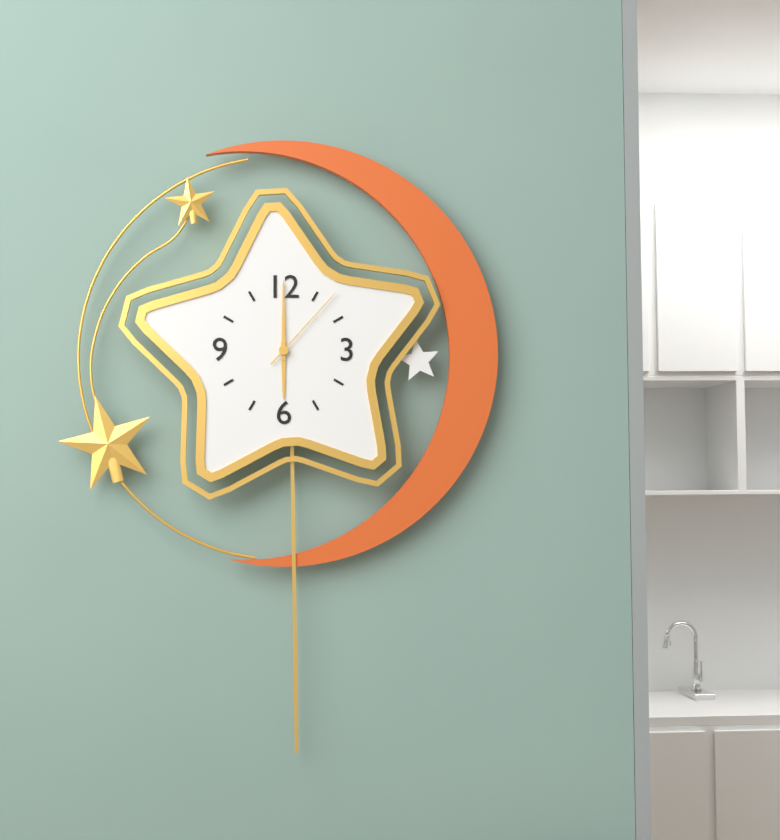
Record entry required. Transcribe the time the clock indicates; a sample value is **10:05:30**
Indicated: **6:00:07**
